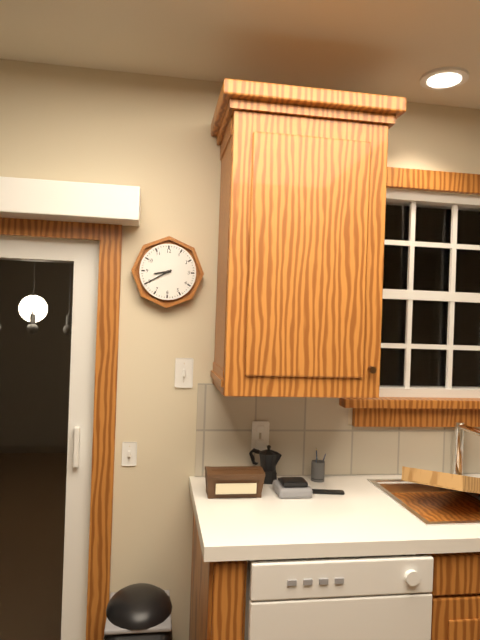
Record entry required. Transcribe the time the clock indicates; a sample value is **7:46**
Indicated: **8:40**
